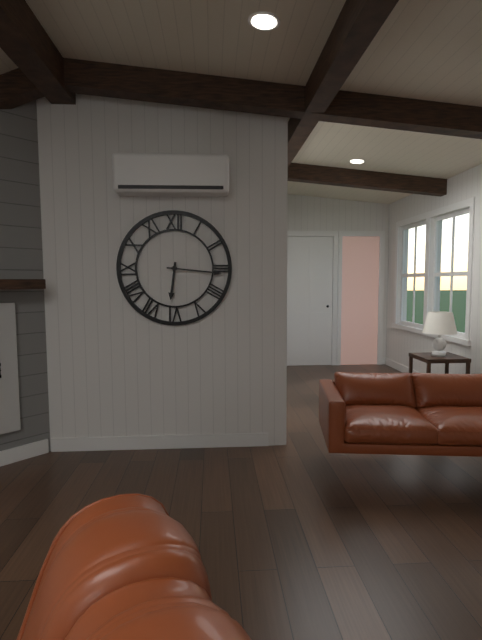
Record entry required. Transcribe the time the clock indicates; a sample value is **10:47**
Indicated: **6:16**
